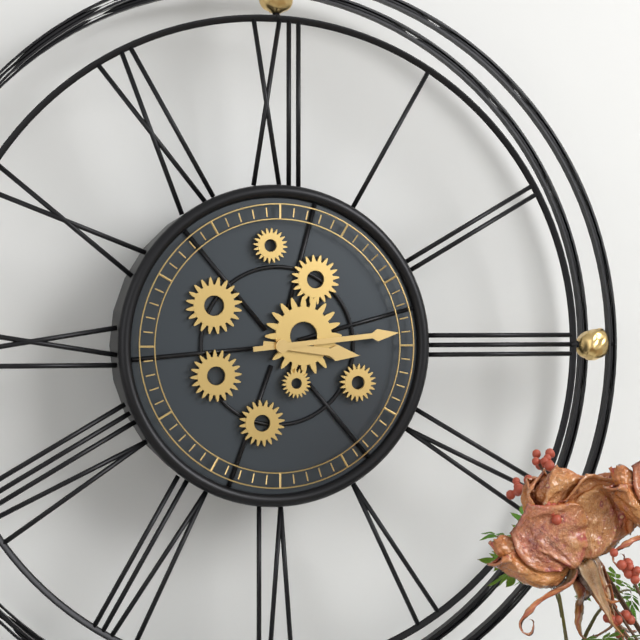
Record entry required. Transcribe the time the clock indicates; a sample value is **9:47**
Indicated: **3:14**
